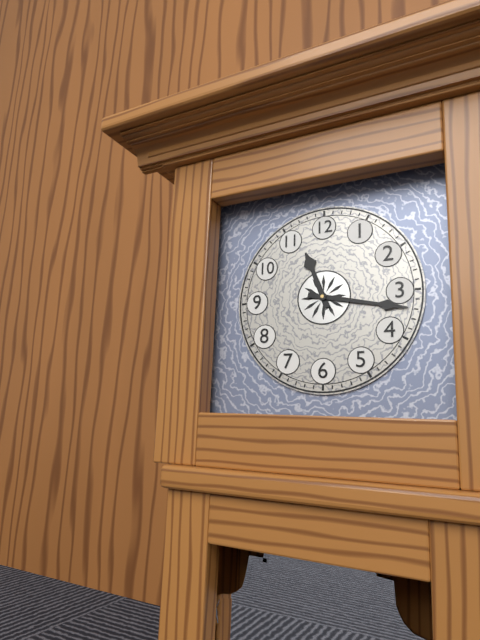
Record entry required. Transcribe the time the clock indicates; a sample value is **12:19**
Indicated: **11:17**
